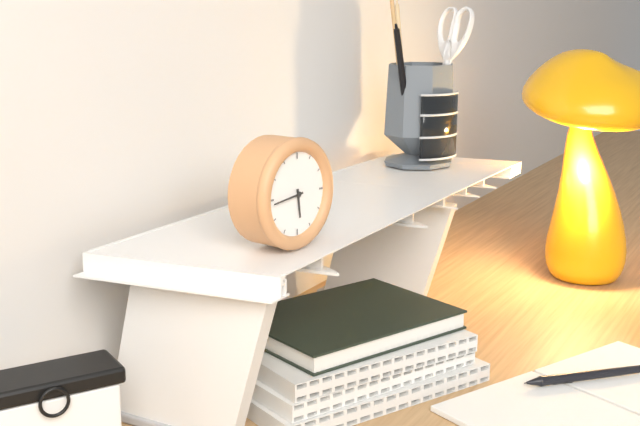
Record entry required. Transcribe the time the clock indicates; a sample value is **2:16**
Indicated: **5:44**
